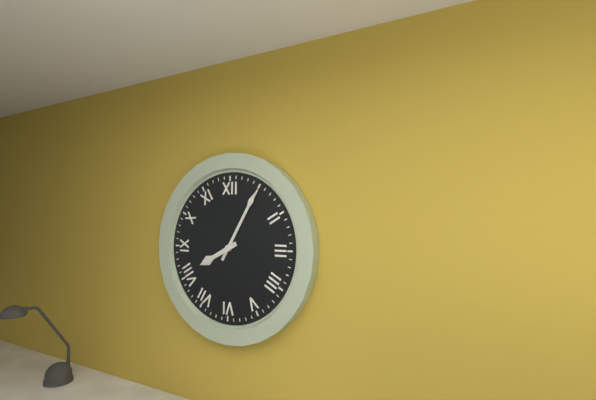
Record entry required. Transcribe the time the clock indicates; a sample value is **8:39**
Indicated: **8:05**
